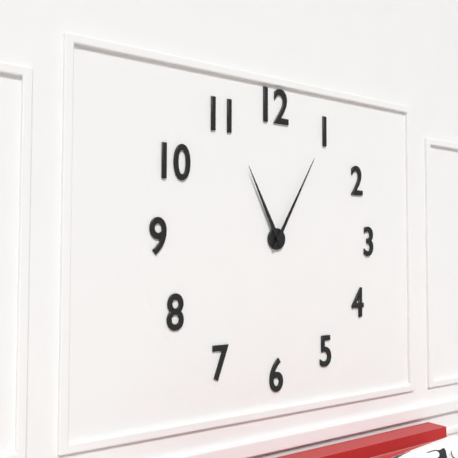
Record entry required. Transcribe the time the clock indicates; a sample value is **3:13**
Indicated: **11:05**
